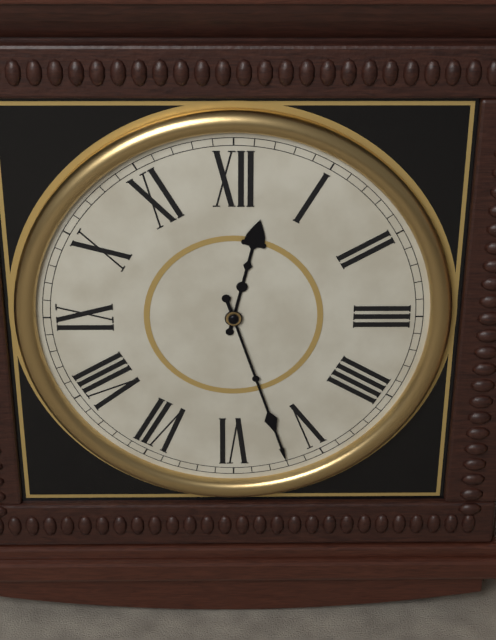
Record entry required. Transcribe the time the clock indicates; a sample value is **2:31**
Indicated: **12:27**
